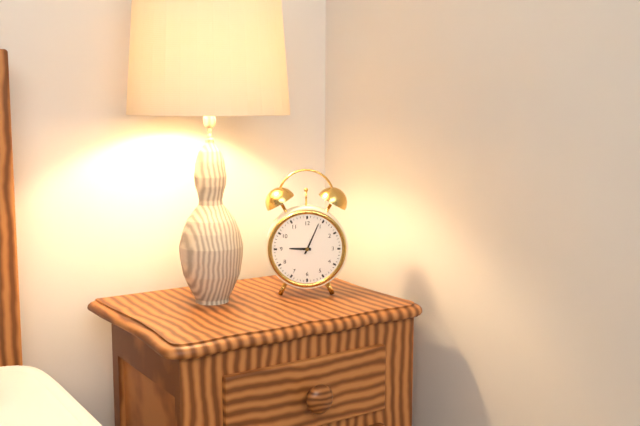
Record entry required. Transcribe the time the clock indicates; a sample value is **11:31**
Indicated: **9:04**
